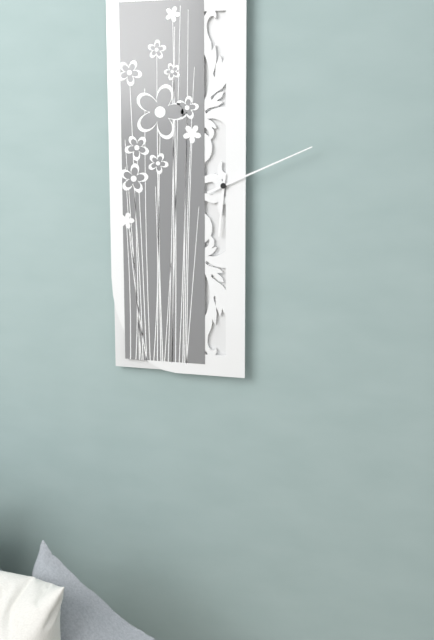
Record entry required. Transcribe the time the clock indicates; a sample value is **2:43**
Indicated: **6:11**
